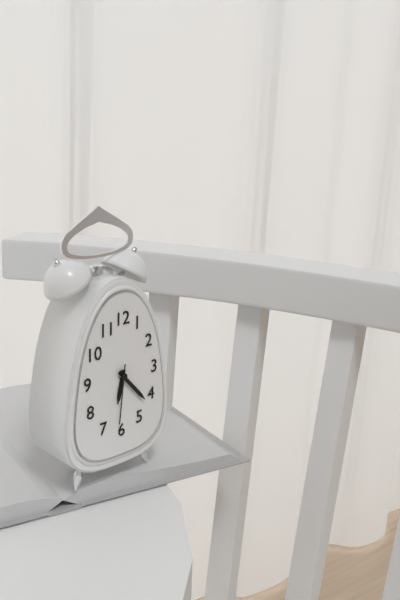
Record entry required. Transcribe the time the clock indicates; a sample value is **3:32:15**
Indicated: **6:23:31**
